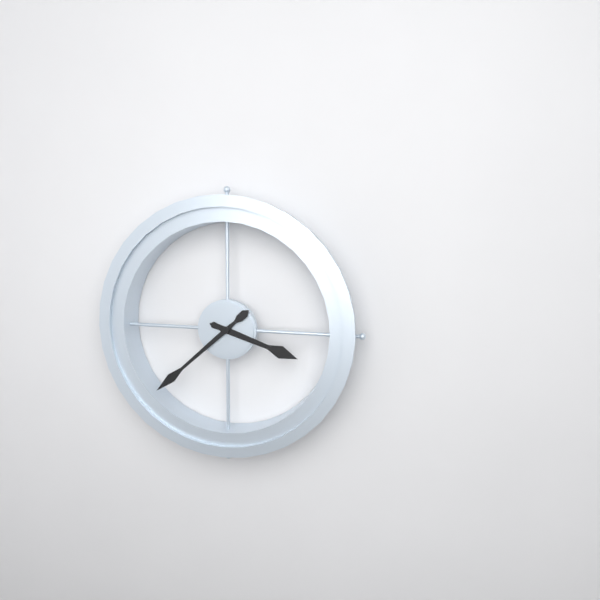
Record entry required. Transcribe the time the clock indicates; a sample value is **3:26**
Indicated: **3:38**
